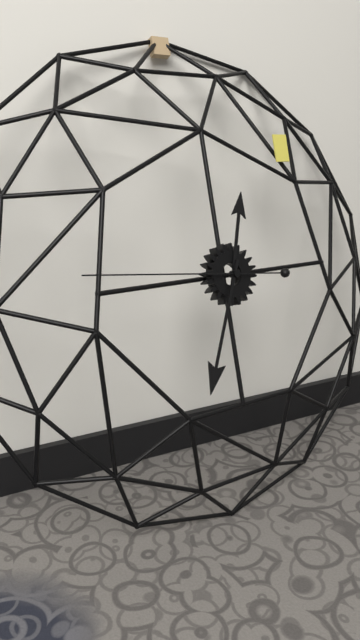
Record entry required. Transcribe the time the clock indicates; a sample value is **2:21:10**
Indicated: **12:34:46**
